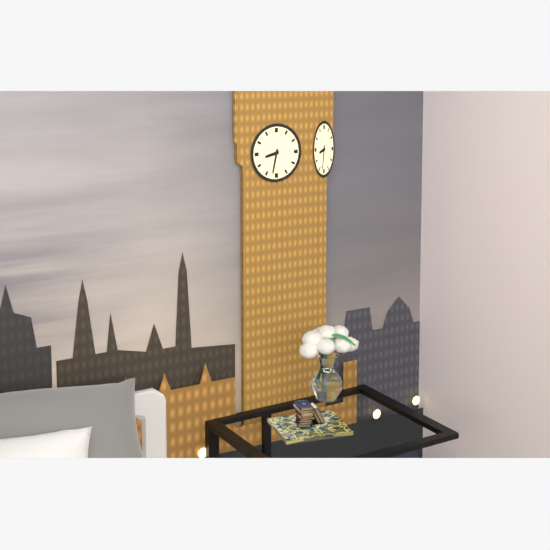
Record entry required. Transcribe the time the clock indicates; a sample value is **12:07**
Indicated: **8:32**
